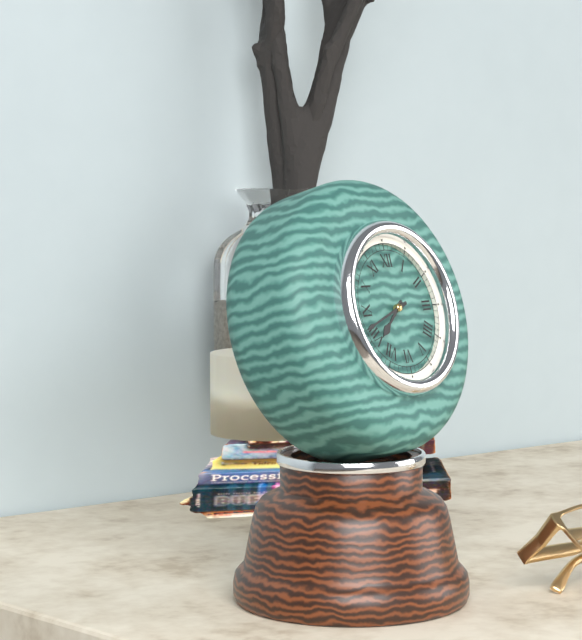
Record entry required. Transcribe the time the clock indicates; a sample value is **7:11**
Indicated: **7:42**
